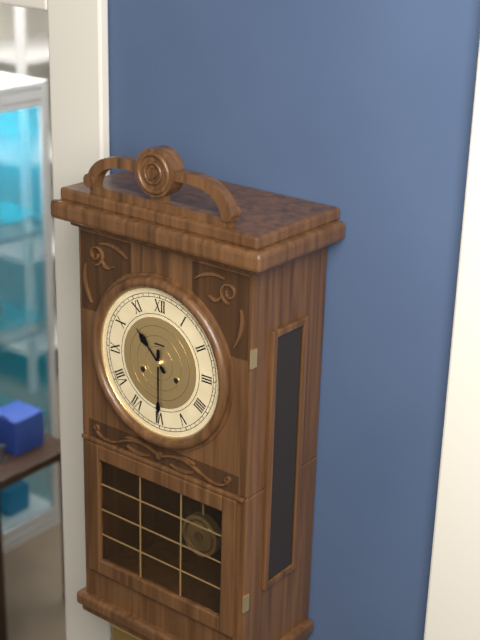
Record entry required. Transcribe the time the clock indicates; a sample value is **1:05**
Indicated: **10:30**
